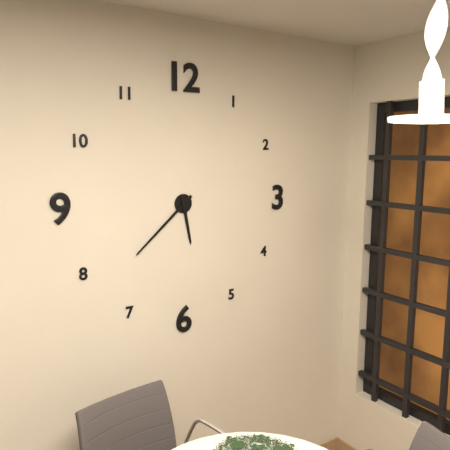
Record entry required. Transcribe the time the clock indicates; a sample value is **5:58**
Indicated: **5:38**
